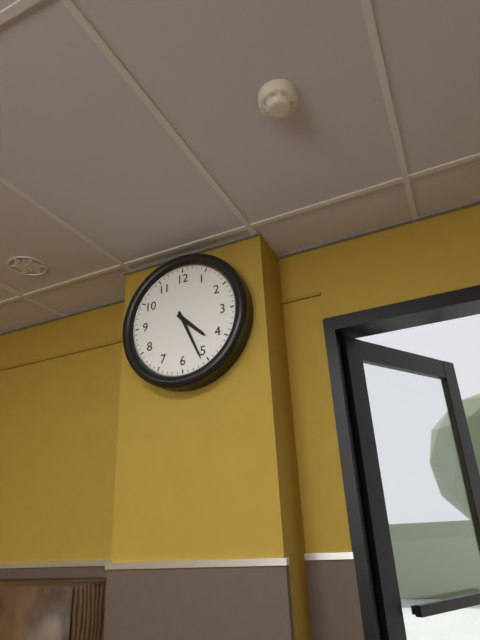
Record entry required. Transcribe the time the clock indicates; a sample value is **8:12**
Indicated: **4:26**
